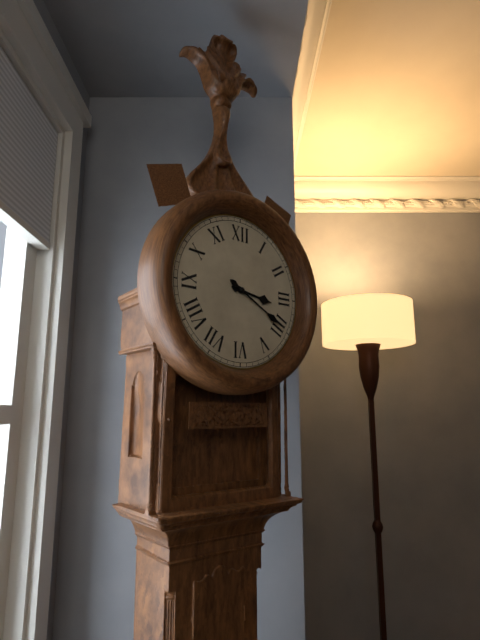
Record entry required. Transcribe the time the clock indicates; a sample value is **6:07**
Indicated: **3:20**
